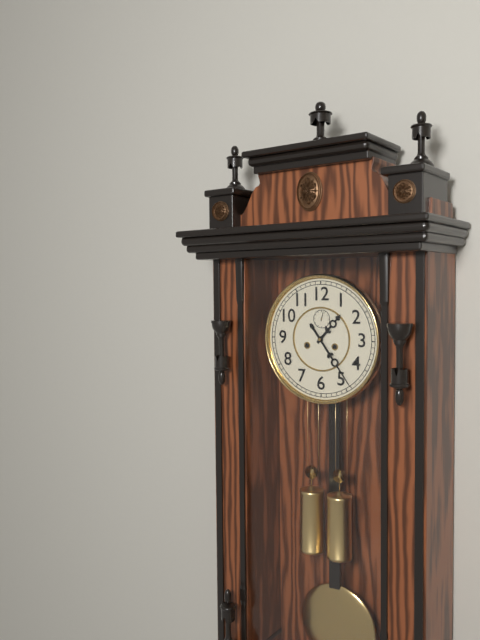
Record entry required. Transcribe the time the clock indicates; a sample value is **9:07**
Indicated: **1:24**
